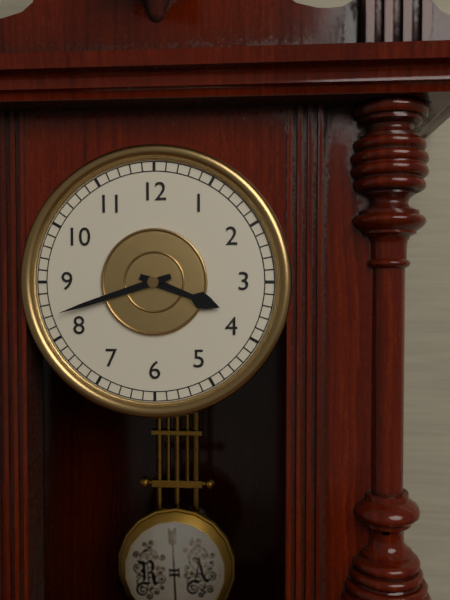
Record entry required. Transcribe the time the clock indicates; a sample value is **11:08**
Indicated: **3:42**
